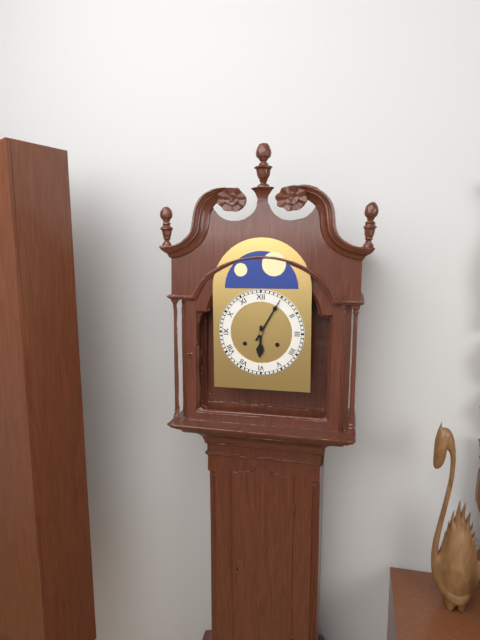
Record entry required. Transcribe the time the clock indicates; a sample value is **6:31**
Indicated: **6:05**
